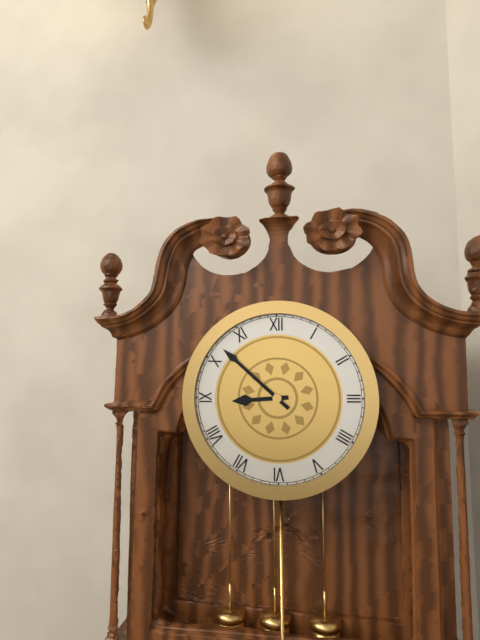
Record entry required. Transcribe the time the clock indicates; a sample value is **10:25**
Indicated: **8:52**
